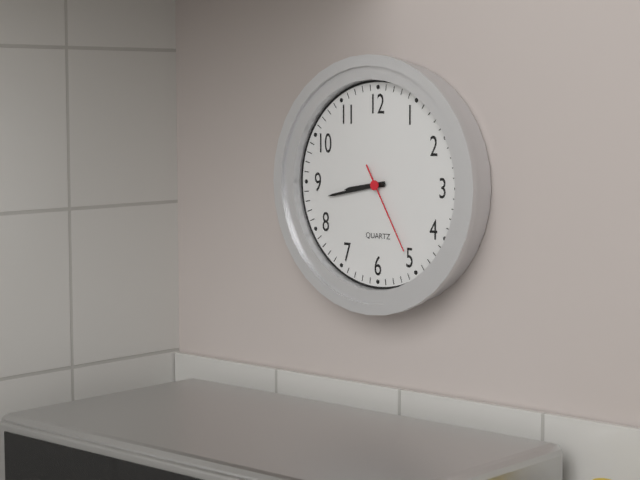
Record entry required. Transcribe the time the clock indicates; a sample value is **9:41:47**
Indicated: **8:43:25**
